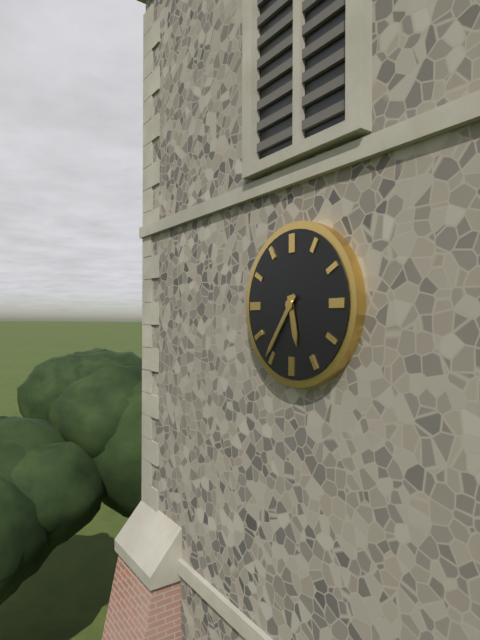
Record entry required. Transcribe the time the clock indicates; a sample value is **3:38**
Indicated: **5:36**
